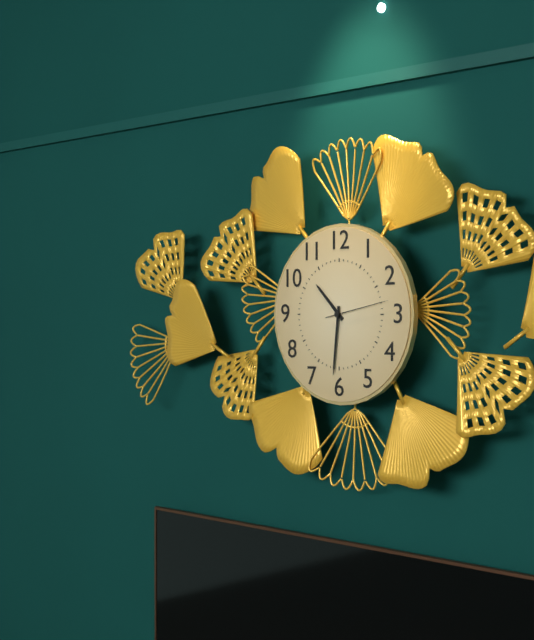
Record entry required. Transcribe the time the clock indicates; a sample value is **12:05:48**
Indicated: **10:31:13**
